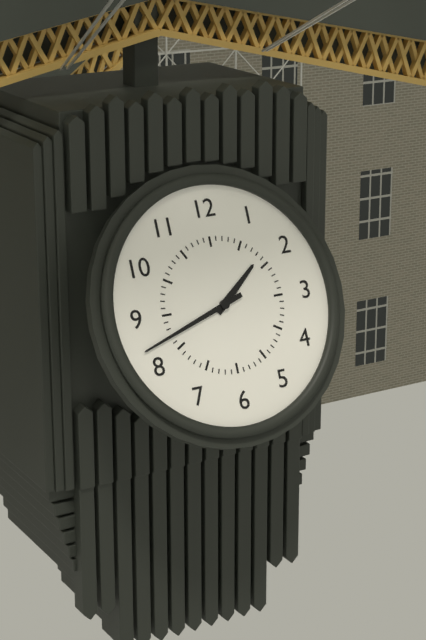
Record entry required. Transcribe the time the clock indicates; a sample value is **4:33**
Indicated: **1:42**
